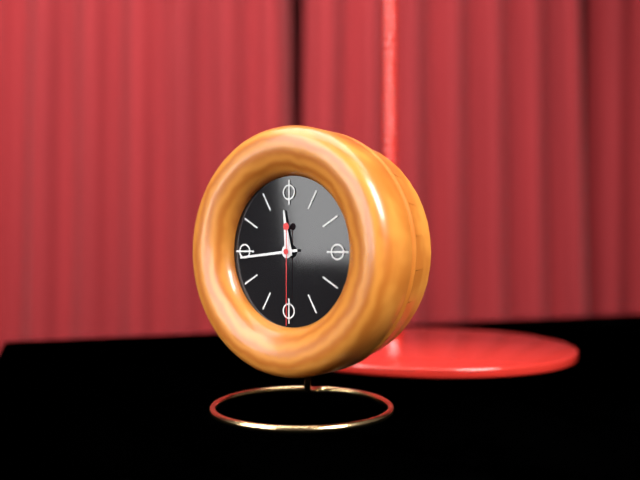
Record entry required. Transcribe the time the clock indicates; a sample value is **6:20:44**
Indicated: **11:44:30**
